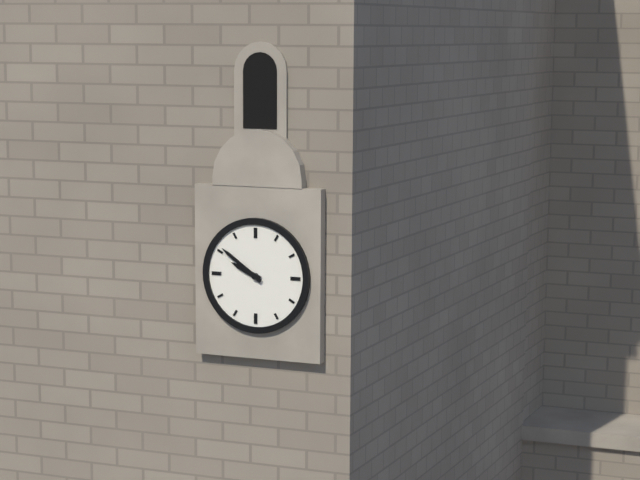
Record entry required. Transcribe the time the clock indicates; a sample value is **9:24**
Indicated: **9:51**
